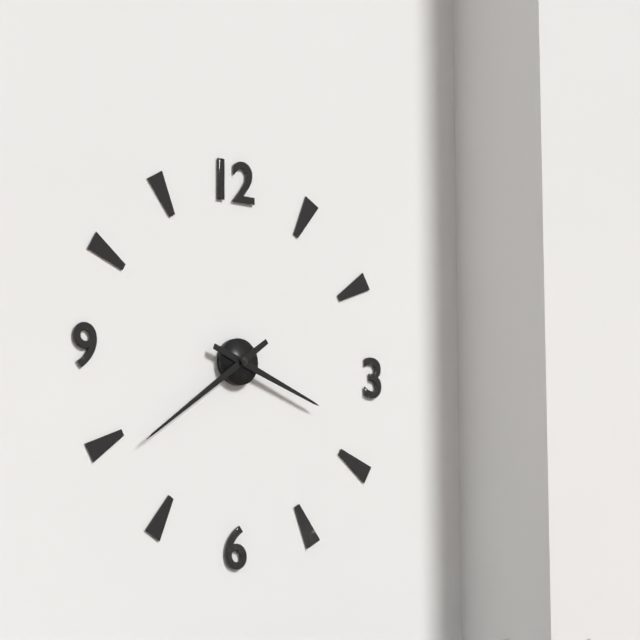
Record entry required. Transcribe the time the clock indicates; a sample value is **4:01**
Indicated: **3:39**
